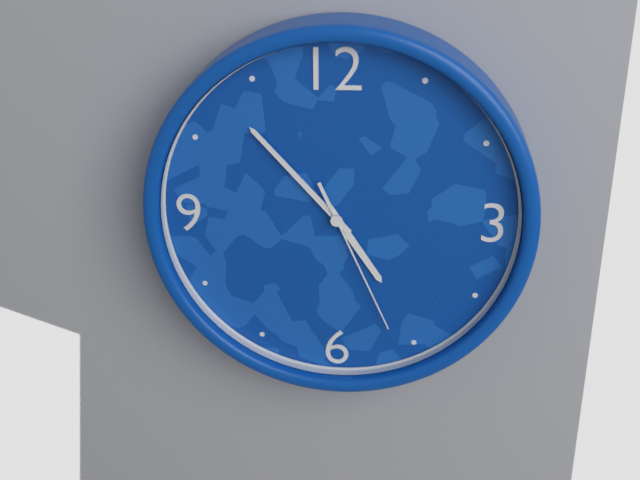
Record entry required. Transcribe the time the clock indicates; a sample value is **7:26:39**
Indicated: **4:53:26**
